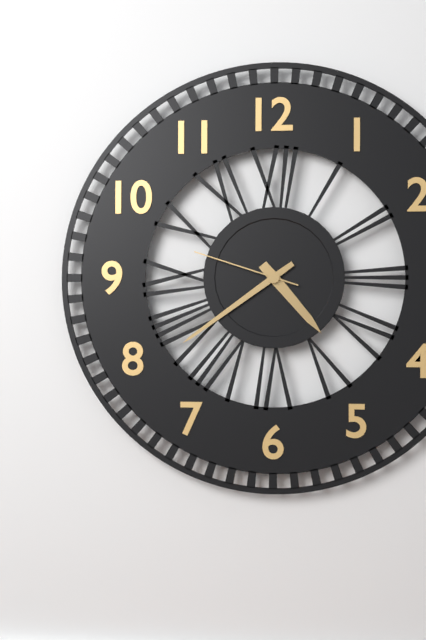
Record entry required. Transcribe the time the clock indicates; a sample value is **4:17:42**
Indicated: **4:39:48**
